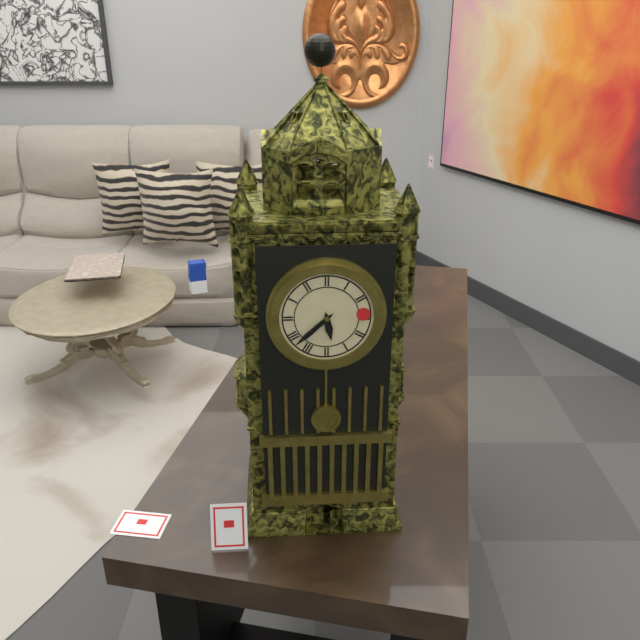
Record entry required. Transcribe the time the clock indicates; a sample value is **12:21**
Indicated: **5:38**
